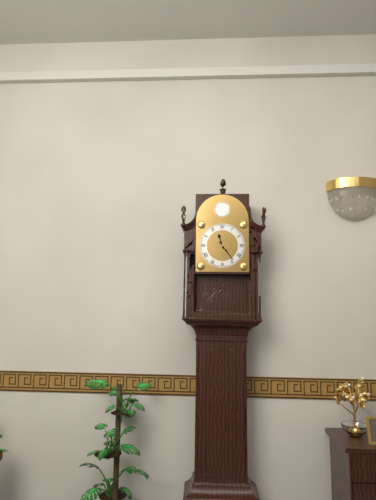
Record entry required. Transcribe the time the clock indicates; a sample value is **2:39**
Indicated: **11:24**
